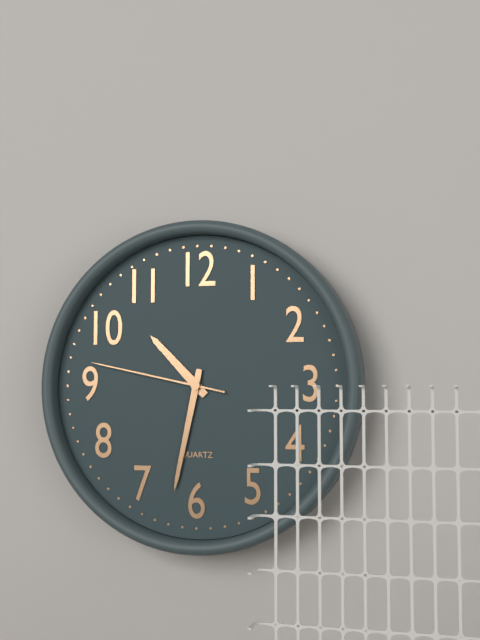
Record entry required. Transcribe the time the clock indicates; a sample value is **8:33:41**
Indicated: **10:32:47**
